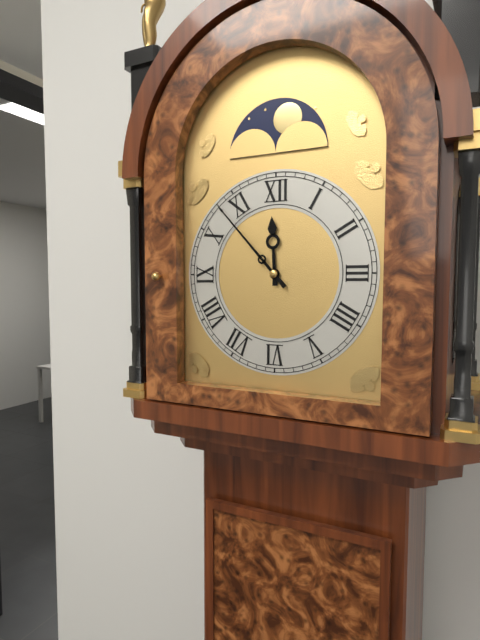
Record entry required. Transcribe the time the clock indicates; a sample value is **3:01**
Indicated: **11:53**
